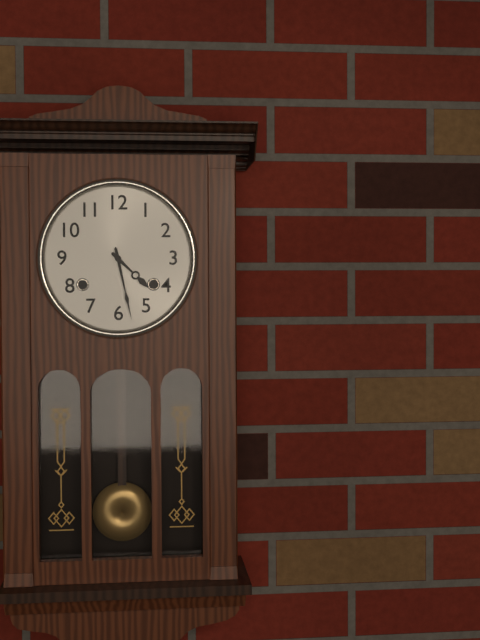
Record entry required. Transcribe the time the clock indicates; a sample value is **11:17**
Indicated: **4:28**
